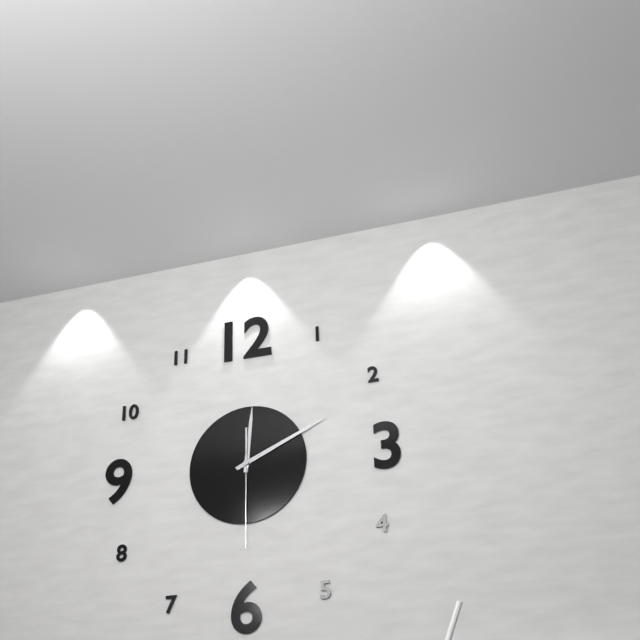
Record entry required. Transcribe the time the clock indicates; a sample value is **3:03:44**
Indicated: **12:11:30**
